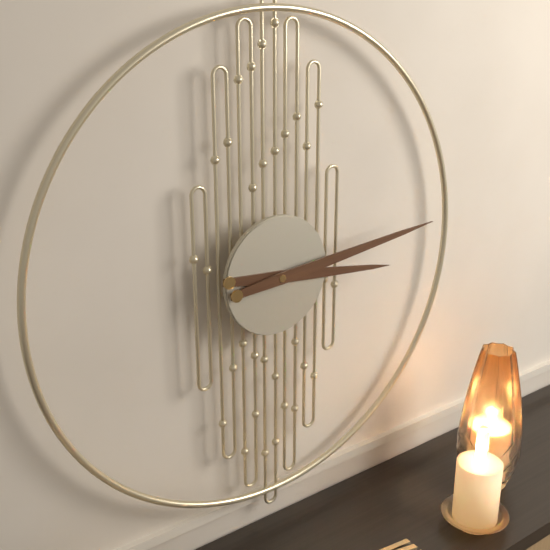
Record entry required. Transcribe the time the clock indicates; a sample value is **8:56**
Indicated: **3:14**
